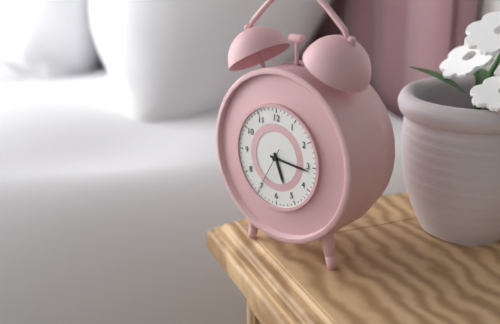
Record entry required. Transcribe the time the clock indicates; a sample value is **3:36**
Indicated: **5:16**
